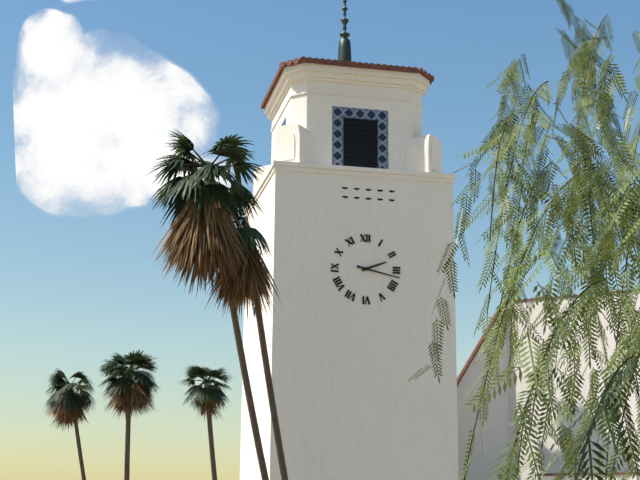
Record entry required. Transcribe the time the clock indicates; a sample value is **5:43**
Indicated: **2:17**
